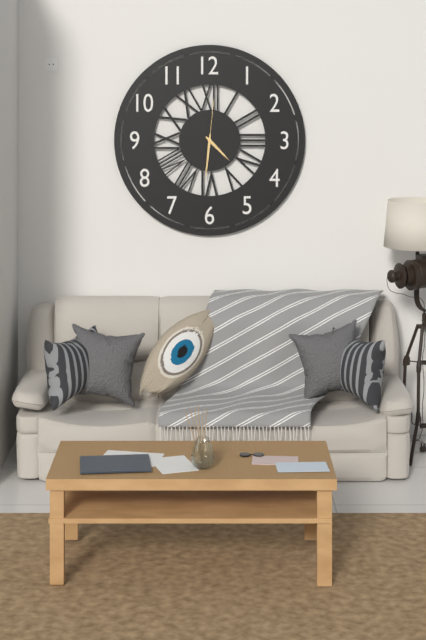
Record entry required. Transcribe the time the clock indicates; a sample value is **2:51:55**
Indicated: **4:31:01**
